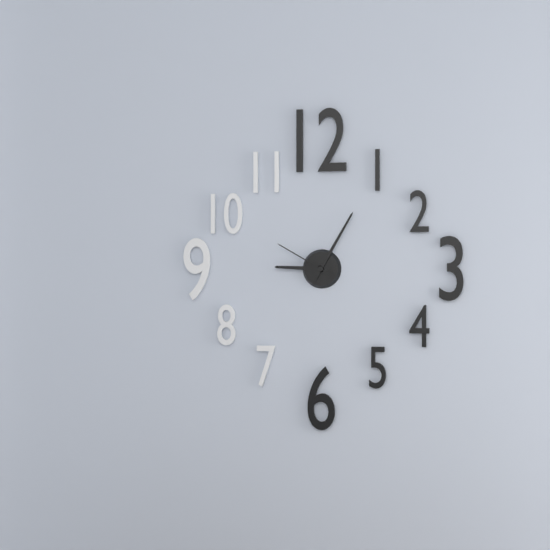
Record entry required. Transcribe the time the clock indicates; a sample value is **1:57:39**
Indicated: **9:05:50**
